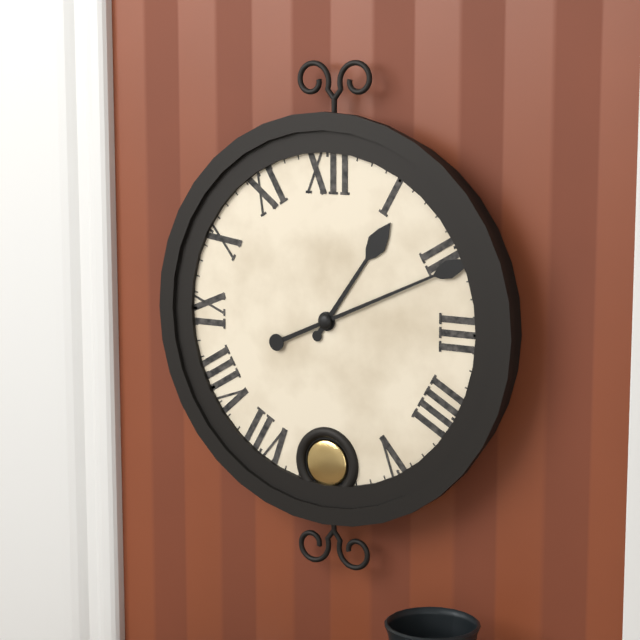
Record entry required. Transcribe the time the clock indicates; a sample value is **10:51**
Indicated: **1:11**
